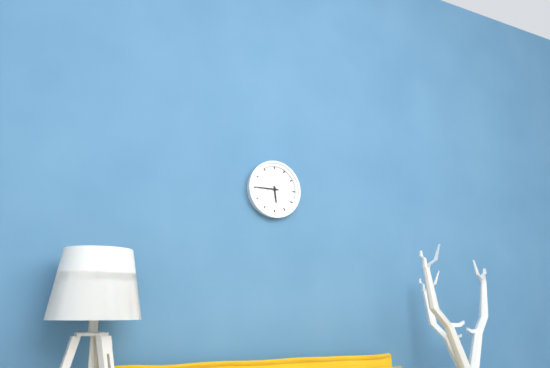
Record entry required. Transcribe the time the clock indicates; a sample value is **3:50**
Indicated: **5:45**
